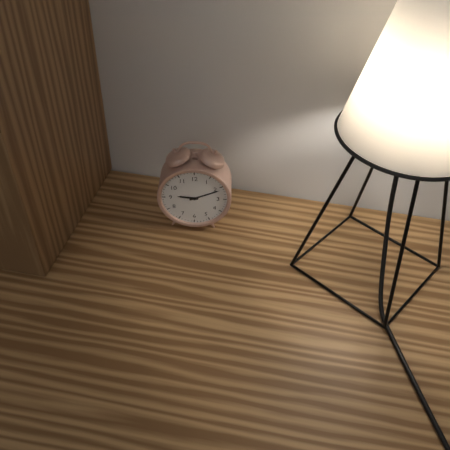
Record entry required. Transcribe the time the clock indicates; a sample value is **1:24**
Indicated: **9:11**
